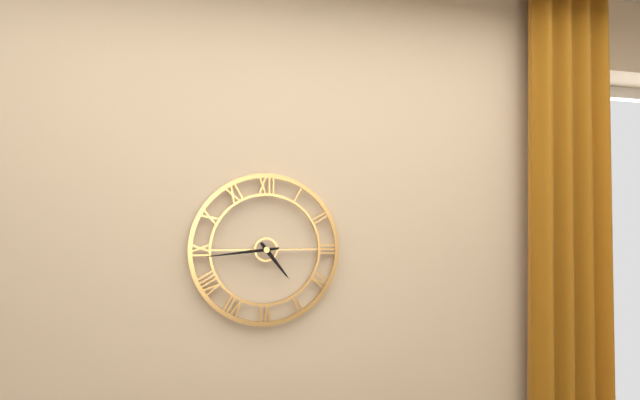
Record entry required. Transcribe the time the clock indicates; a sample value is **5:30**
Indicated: **4:44**
